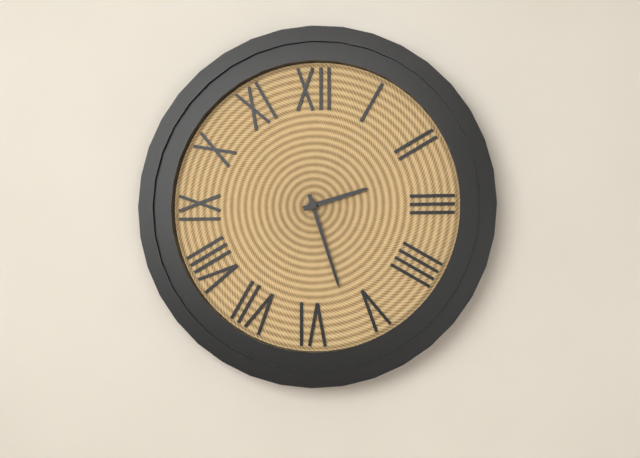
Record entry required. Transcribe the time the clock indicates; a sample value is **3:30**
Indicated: **2:27**
